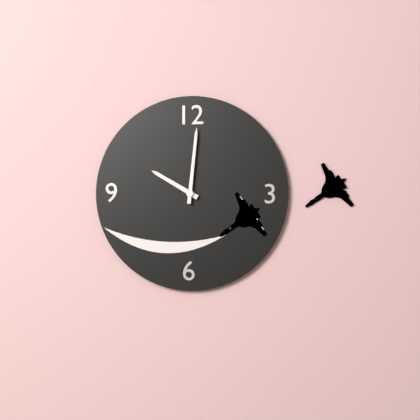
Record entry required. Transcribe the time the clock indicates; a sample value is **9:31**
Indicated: **10:01**
